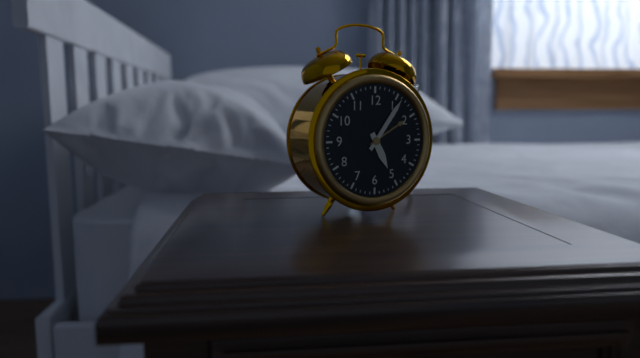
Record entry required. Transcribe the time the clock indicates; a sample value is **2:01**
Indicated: **5:06**
